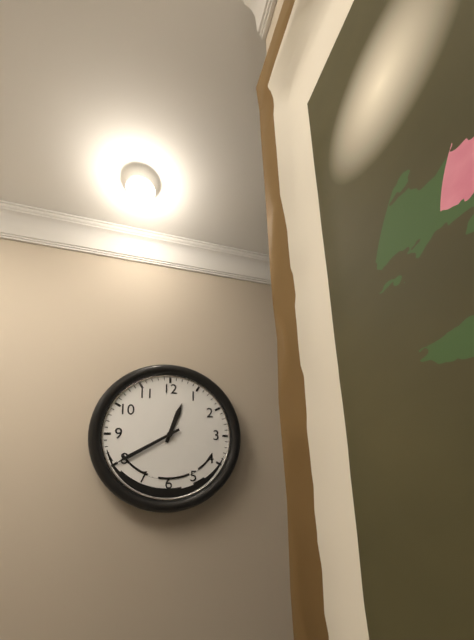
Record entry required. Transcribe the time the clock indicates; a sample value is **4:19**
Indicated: **12:40**
